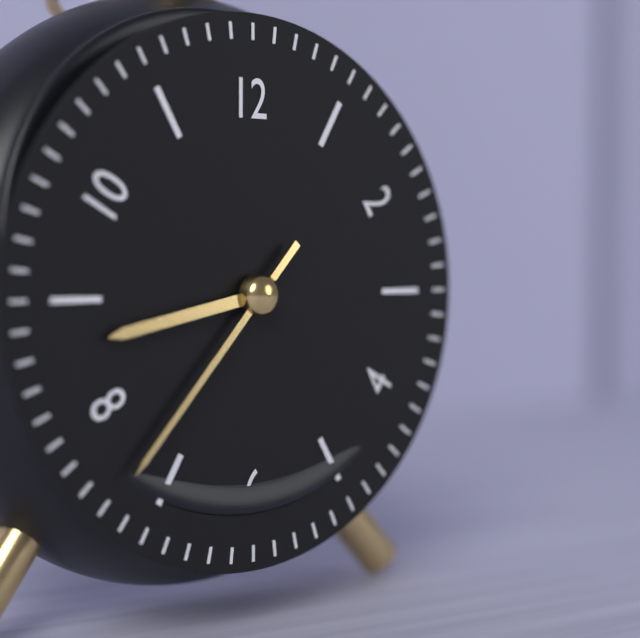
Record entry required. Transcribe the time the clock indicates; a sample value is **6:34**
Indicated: **8:37**
